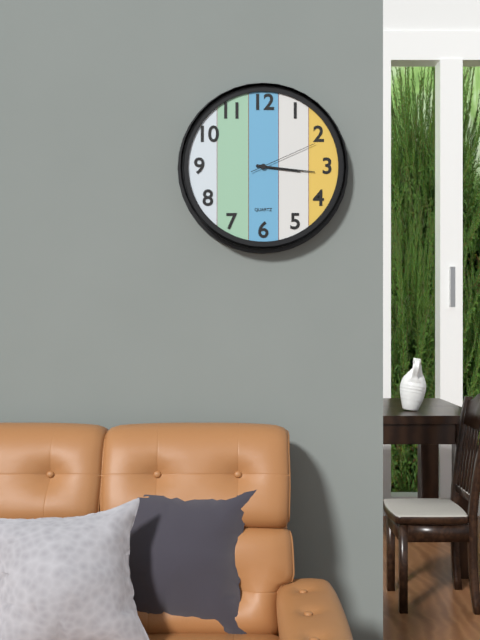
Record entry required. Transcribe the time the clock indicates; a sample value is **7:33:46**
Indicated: **3:16:11**
